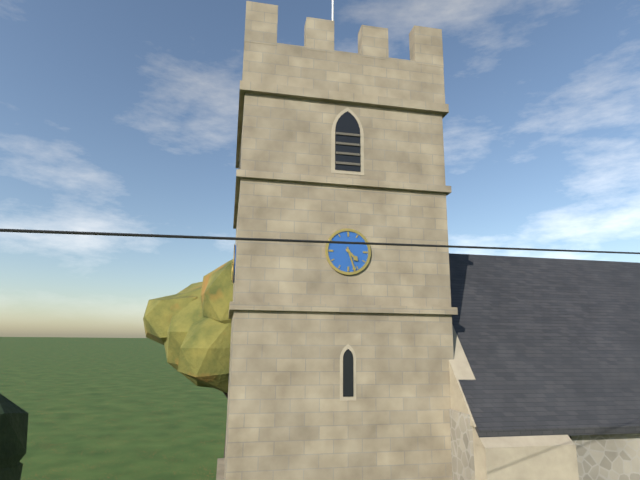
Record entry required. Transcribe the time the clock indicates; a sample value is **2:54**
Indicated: **4:27**
